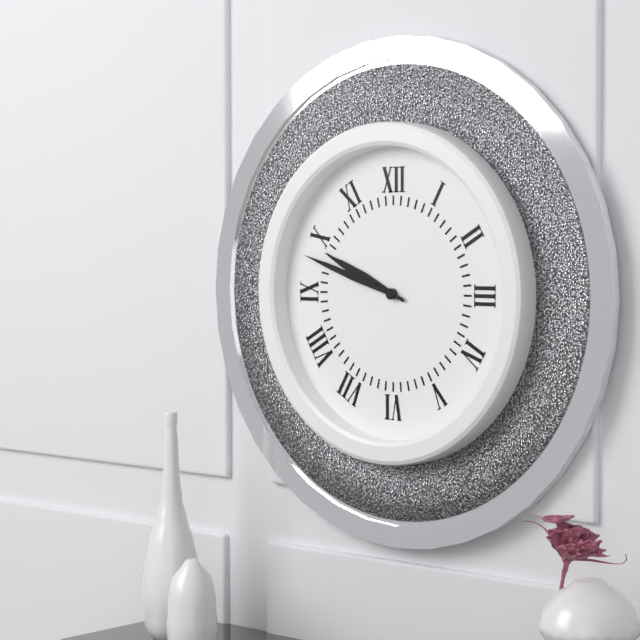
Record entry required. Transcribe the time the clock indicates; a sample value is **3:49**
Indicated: **9:48**
